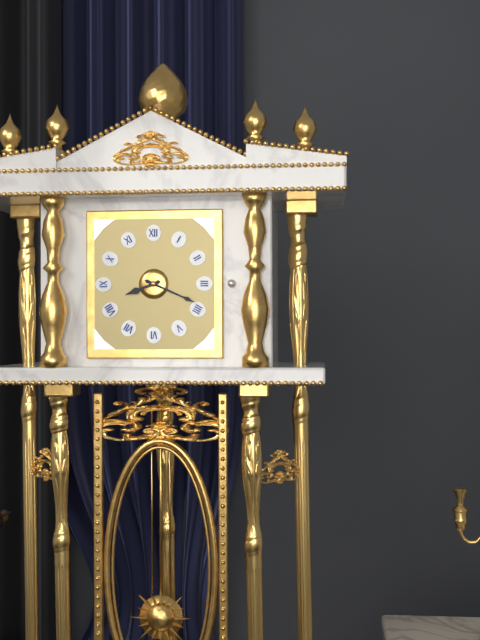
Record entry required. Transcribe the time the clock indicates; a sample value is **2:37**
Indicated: **8:19**
